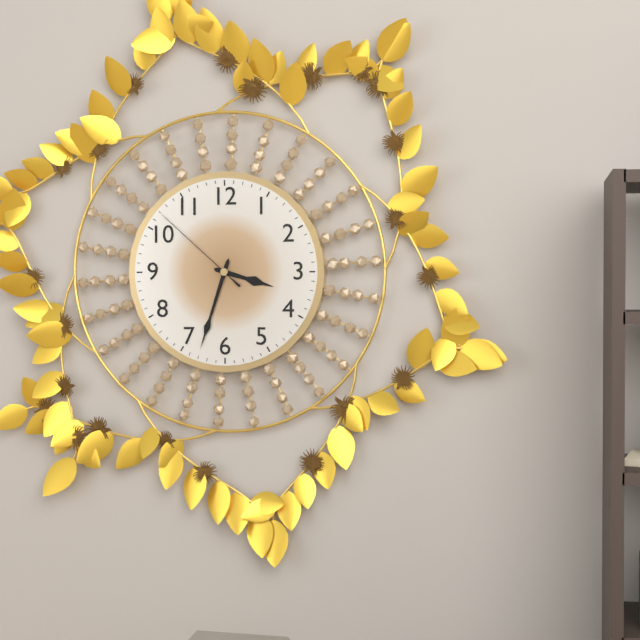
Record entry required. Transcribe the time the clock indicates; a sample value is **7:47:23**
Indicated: **3:33:52**
